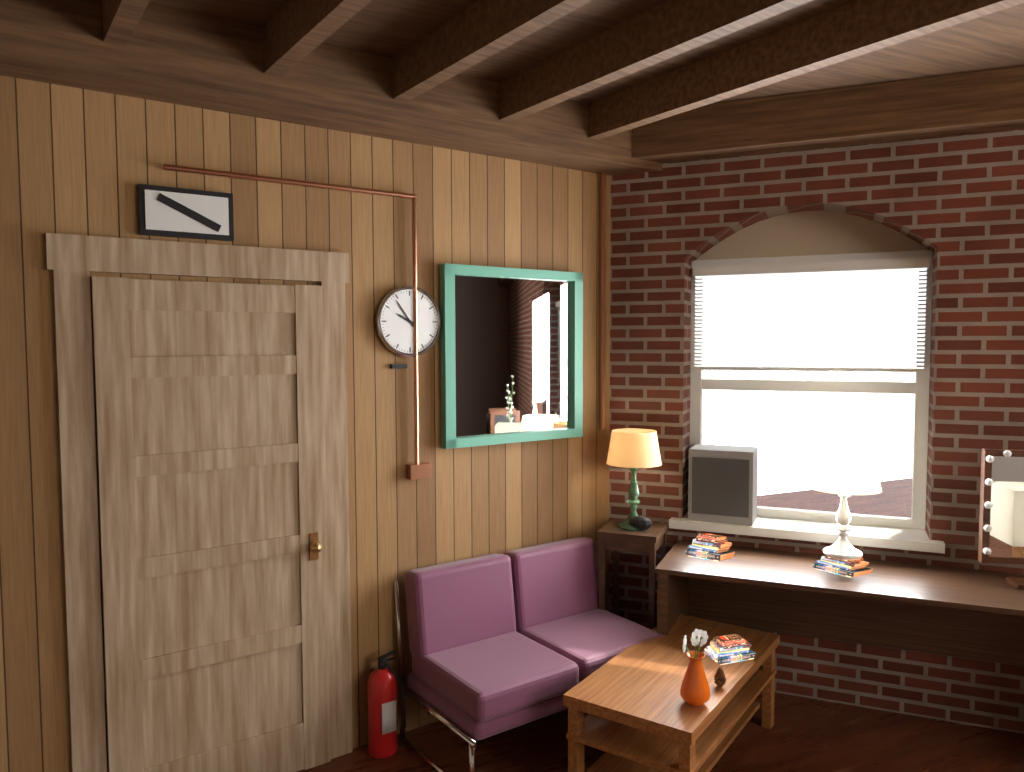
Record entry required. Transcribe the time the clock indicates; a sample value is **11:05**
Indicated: **9:54**
